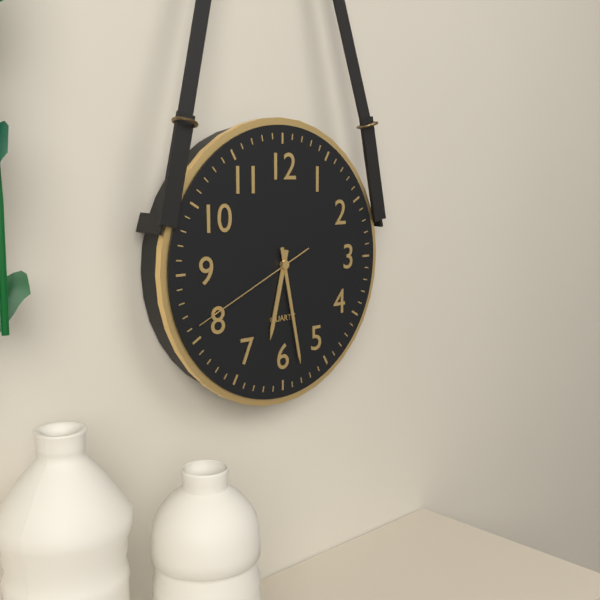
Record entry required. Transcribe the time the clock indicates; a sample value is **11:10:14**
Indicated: **6:28:41**
